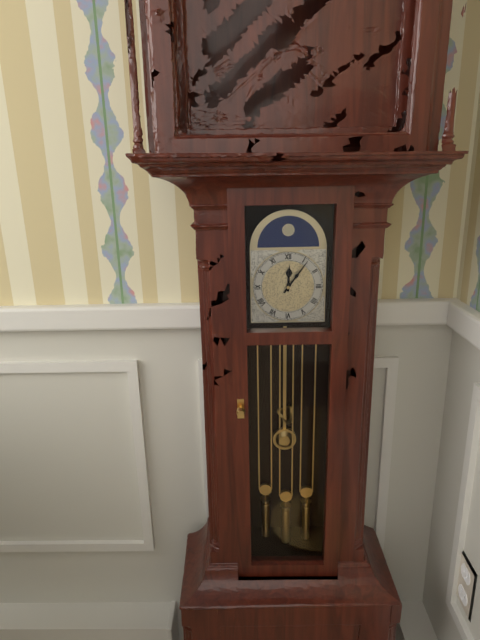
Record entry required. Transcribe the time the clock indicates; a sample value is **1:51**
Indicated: **12:06**
